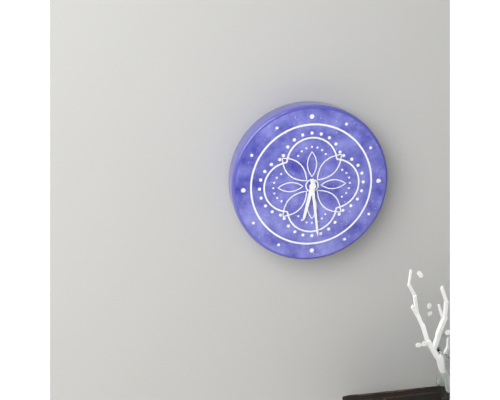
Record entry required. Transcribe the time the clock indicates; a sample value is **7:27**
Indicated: **6:29**
